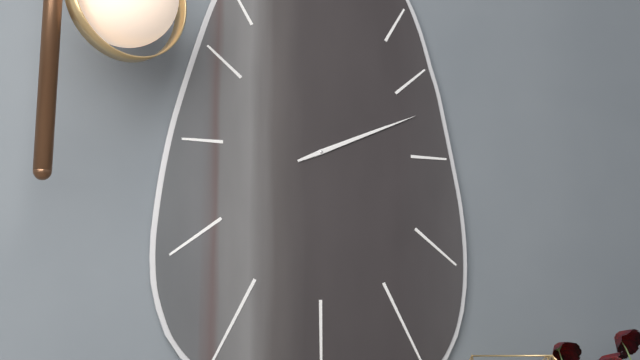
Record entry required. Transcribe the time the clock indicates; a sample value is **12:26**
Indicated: **2:11**
